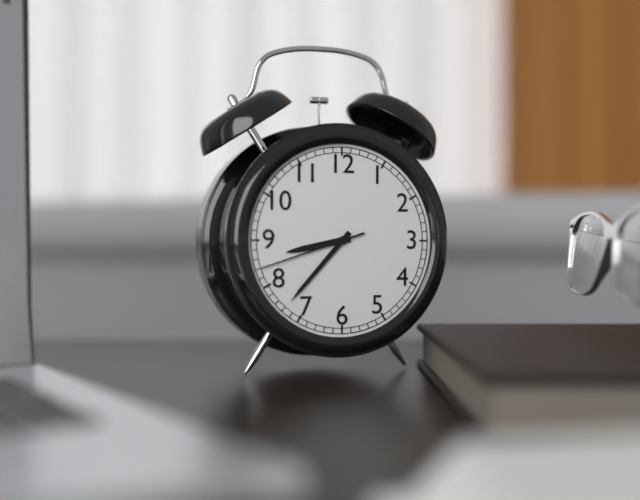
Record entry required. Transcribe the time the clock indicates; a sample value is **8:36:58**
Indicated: **8:37:42**
